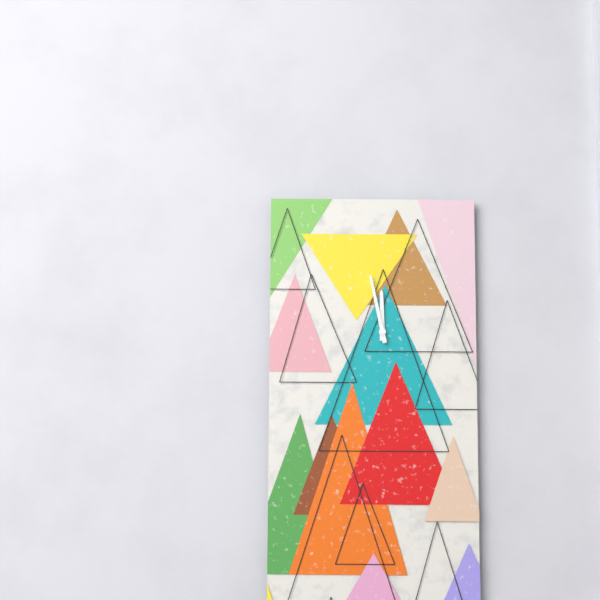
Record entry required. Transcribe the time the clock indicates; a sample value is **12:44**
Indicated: **11:58**
